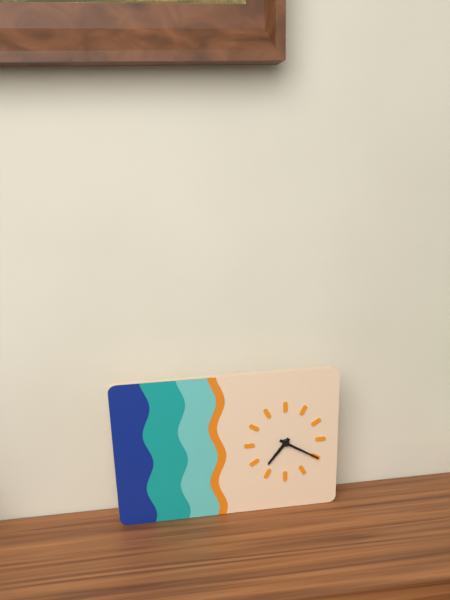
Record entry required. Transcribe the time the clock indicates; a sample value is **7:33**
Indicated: **7:20**
